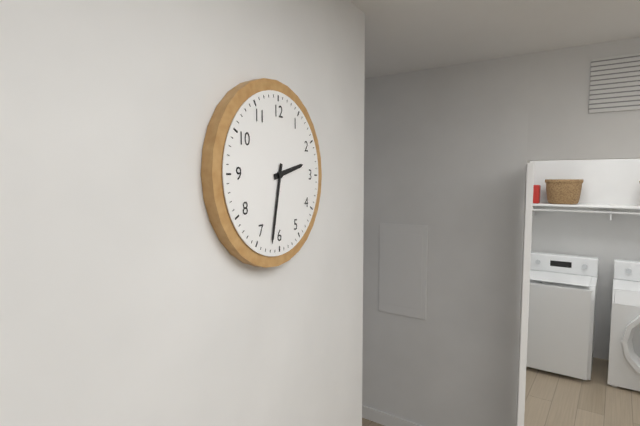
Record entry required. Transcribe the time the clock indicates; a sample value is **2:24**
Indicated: **2:32**
